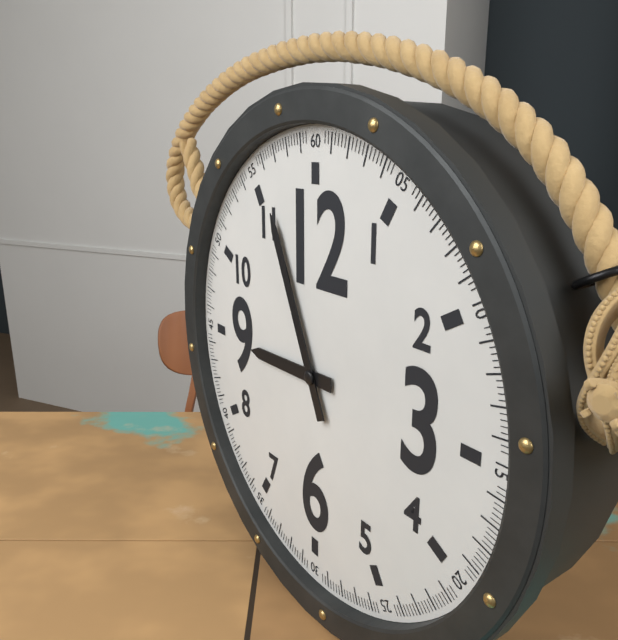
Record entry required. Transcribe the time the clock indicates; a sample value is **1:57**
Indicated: **8:56**
